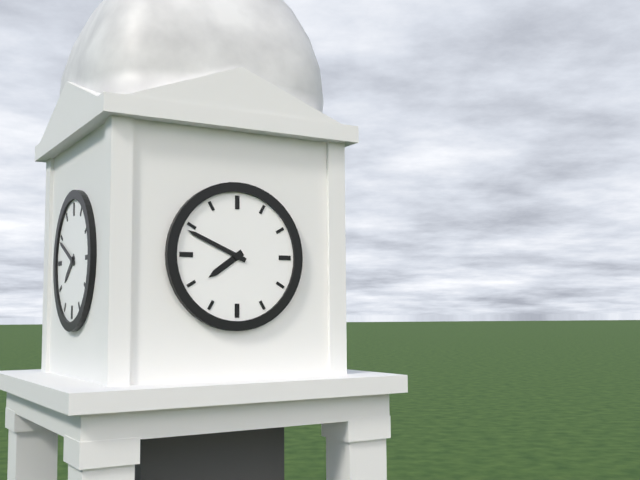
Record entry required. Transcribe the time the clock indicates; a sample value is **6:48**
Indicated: **7:49**
